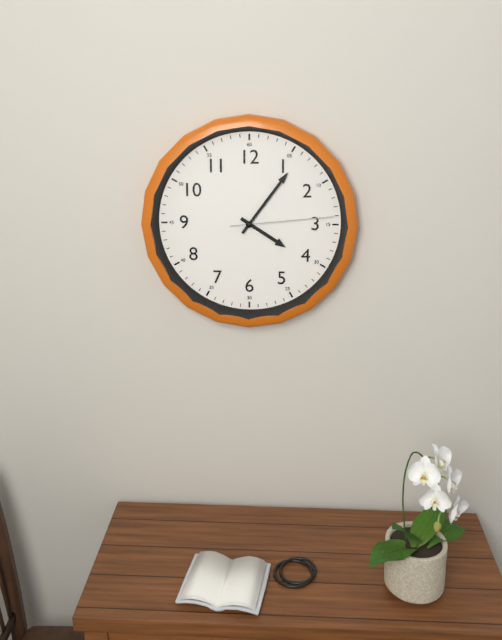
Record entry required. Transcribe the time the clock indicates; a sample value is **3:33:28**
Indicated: **4:06:14**
